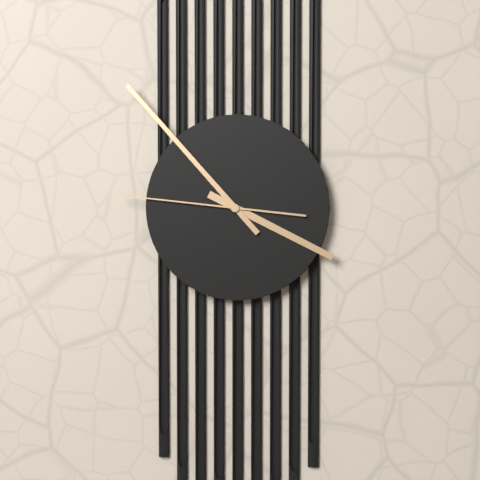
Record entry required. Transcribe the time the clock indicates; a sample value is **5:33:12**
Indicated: **3:53:46**
